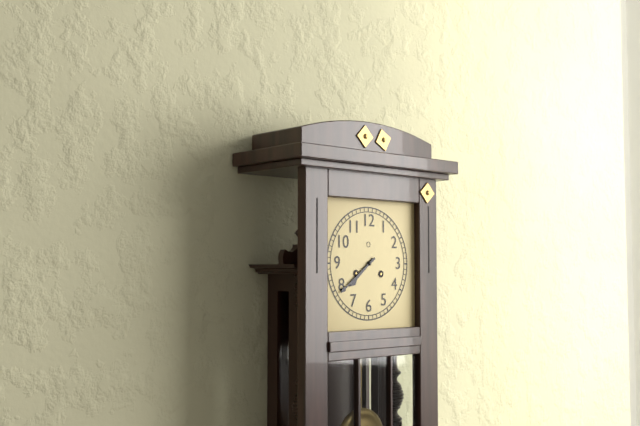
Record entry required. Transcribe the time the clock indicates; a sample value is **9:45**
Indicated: **7:39**
